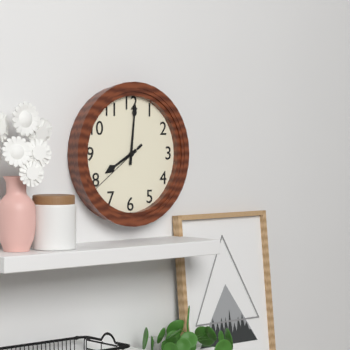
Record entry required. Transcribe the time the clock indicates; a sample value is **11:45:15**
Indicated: **8:01:39**
